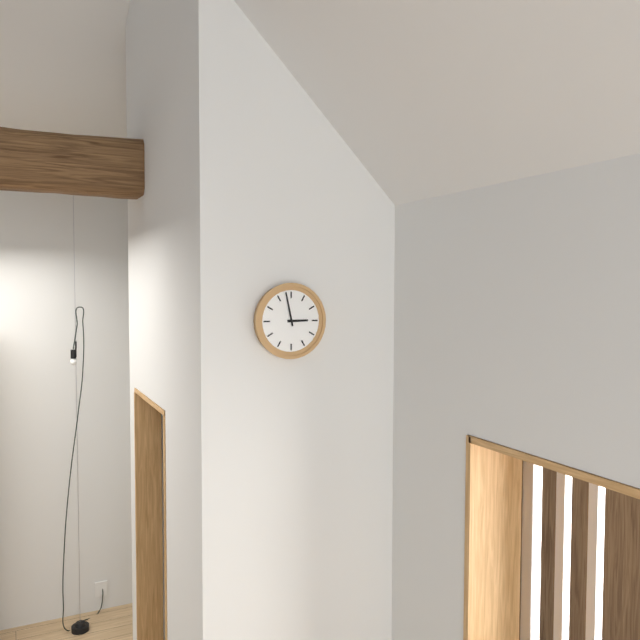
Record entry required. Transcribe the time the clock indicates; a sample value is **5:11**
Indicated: **2:58**
